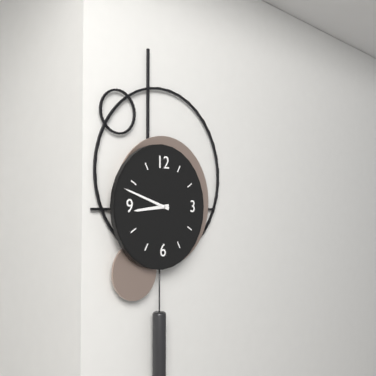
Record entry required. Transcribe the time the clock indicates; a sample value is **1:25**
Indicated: **8:48**
